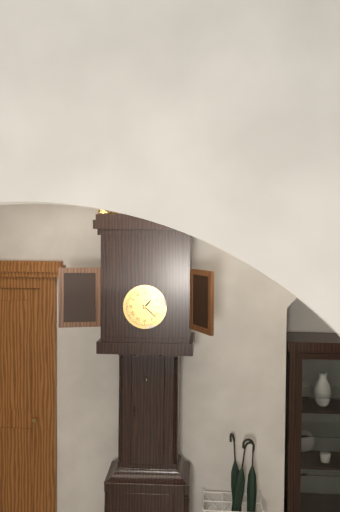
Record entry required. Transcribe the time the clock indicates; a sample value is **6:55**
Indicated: **1:22**
